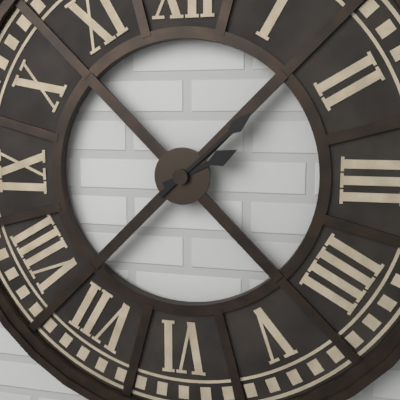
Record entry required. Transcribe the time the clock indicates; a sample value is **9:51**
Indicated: **2:08**
